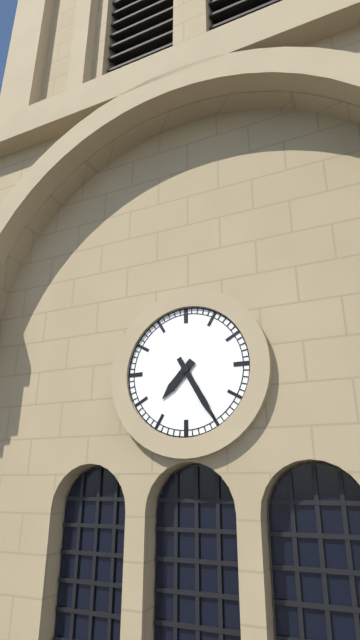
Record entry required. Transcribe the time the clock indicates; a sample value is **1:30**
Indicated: **7:25**
